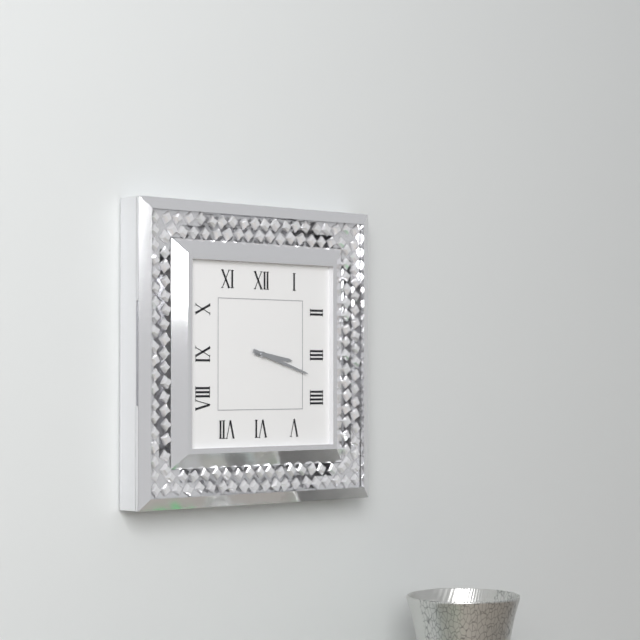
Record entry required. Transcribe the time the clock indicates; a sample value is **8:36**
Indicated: **3:18**
